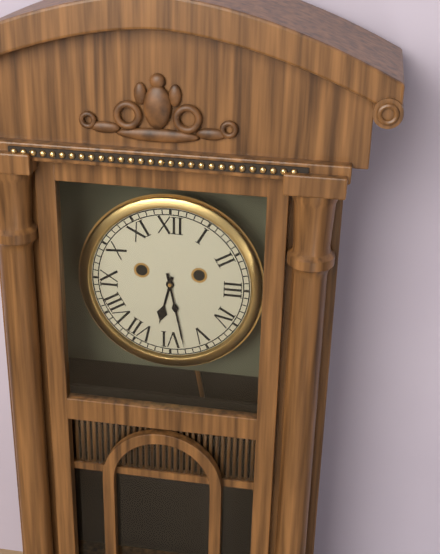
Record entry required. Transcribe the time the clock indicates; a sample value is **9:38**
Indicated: **6:28**
